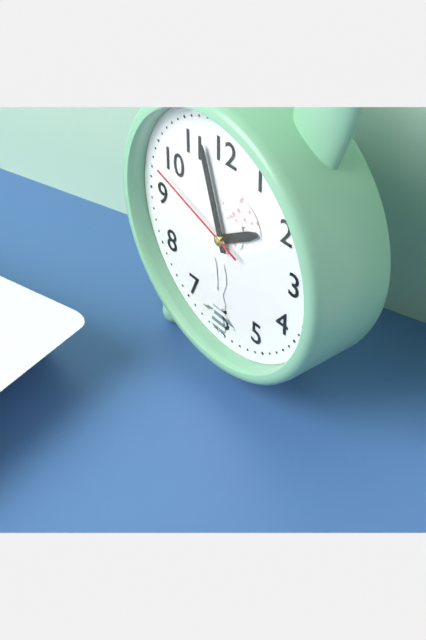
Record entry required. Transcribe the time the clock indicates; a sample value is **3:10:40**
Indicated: **1:57:48**
